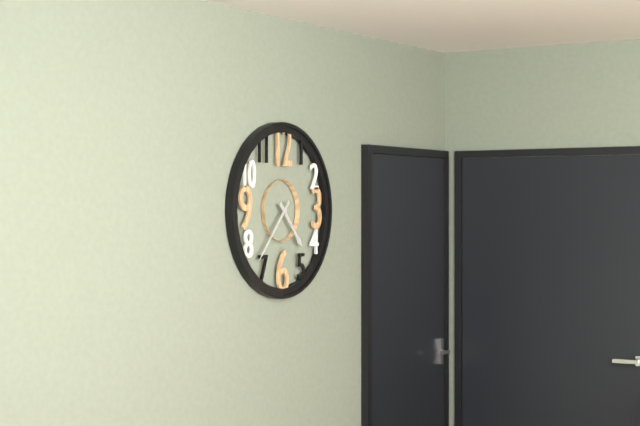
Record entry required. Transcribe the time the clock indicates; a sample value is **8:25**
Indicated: **4:37**
